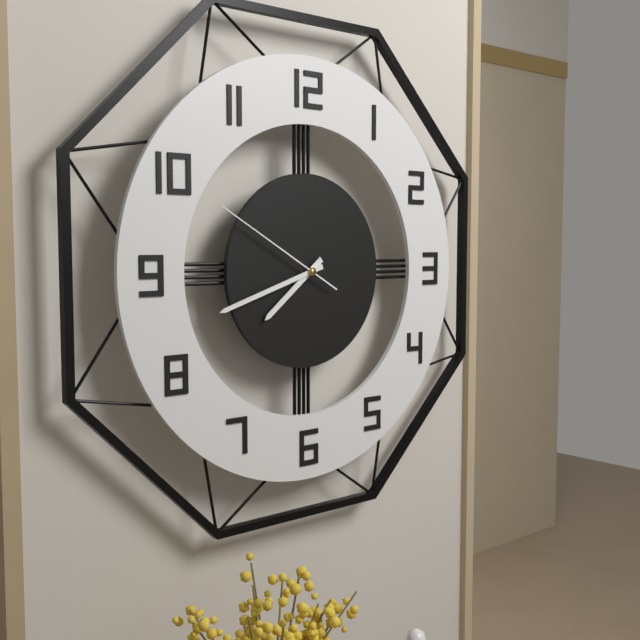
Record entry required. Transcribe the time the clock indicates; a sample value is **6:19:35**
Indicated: **7:42:50**
